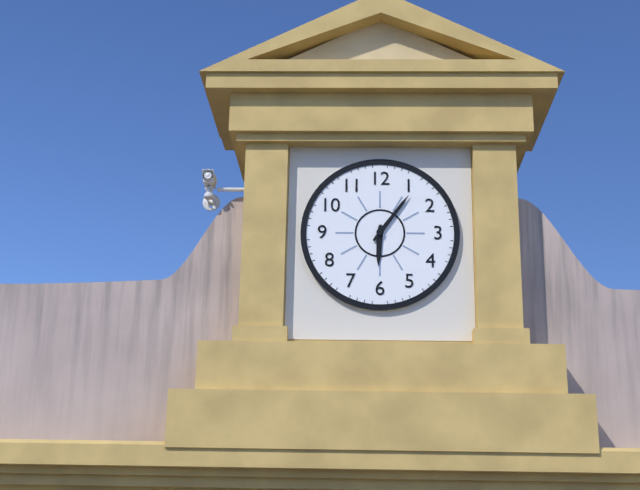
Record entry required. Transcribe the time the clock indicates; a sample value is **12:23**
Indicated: **6:06**
